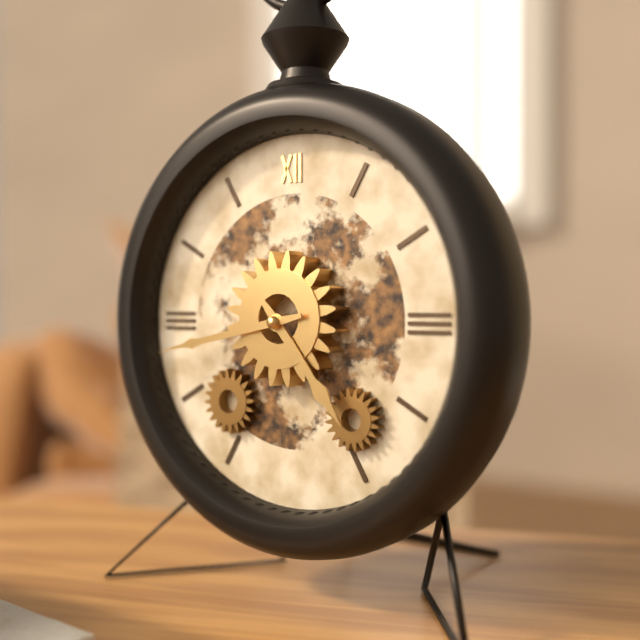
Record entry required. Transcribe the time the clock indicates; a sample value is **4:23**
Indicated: **4:43**
